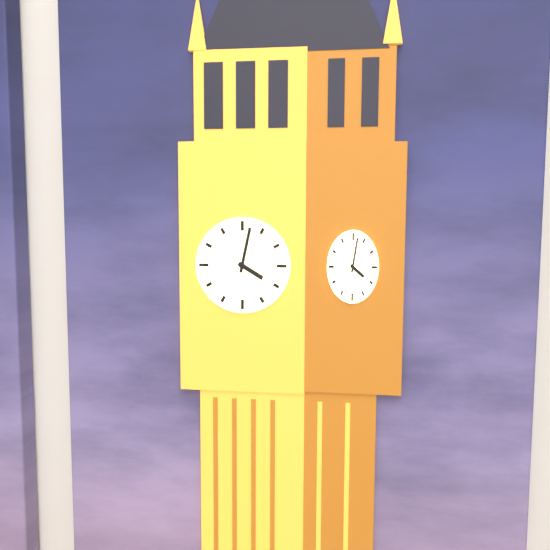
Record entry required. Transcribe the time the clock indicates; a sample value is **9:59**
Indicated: **4:02**
